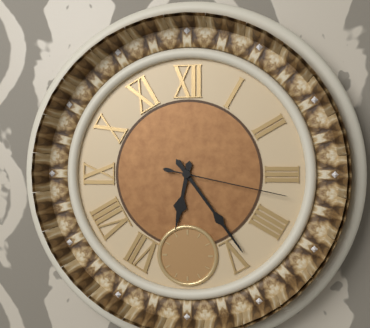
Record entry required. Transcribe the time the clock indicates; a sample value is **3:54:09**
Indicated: **6:24:17**
